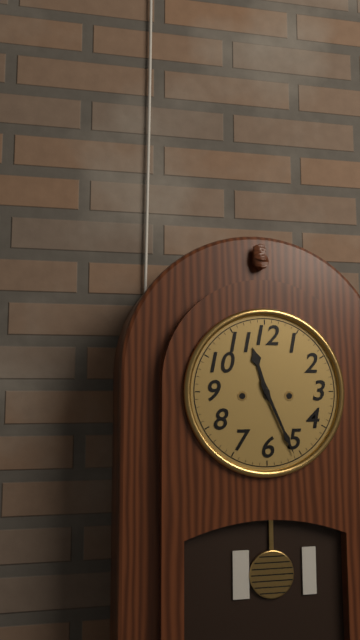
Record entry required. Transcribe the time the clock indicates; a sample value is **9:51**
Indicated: **11:26**
